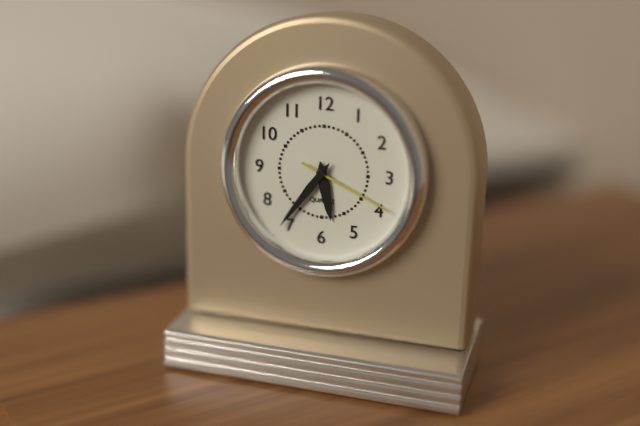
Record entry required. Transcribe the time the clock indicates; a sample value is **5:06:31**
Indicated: **5:36:19**
